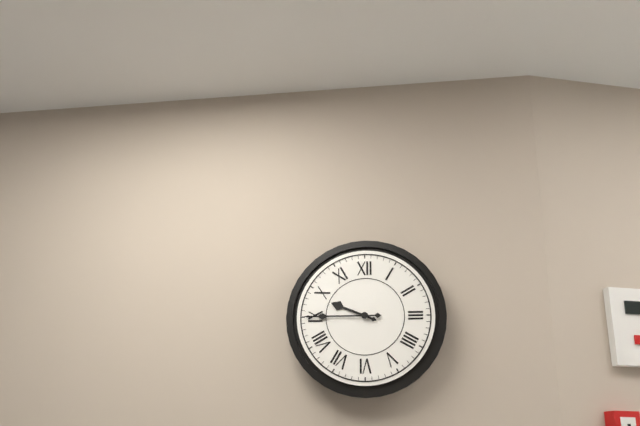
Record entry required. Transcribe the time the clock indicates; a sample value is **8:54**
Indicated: **9:45**
